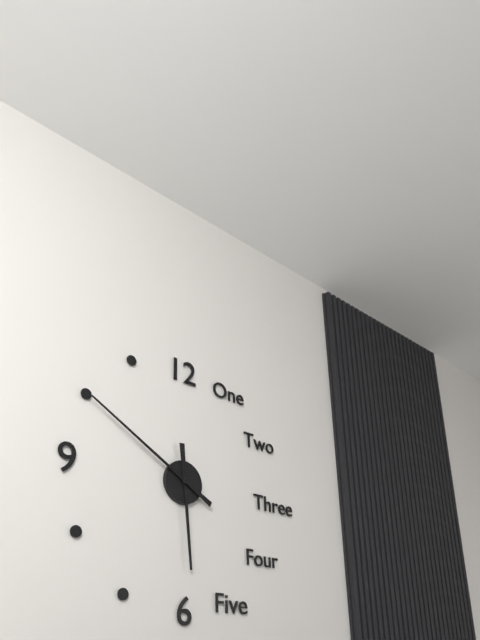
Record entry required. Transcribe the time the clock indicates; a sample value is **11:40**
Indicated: **5:50**
